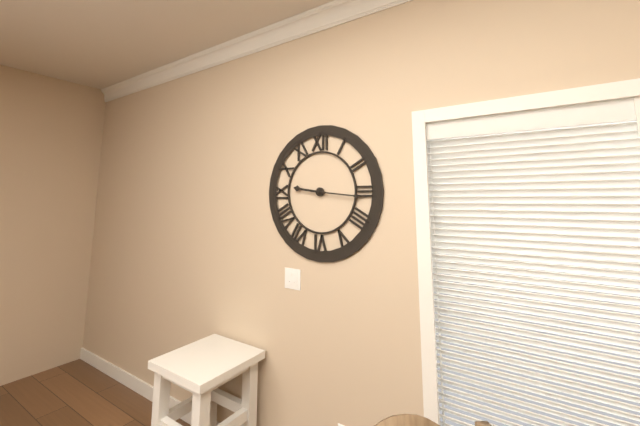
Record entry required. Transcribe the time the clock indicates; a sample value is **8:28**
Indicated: **9:16**
